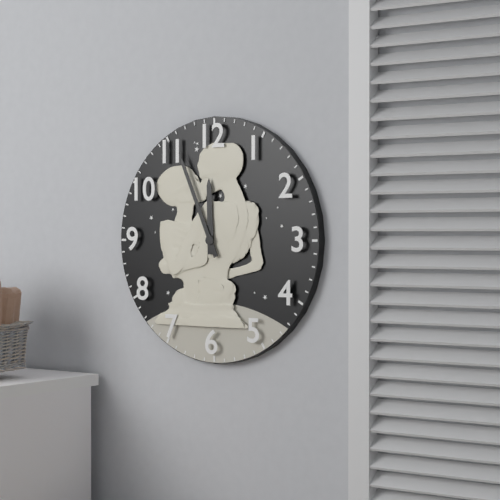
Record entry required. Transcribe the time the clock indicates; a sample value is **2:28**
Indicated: **11:56**
